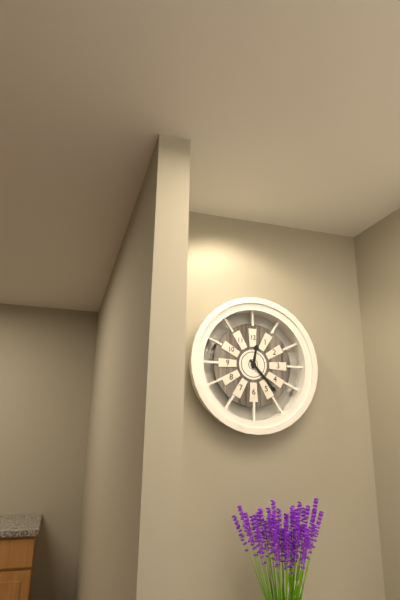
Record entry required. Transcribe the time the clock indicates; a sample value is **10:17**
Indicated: **12:23**
